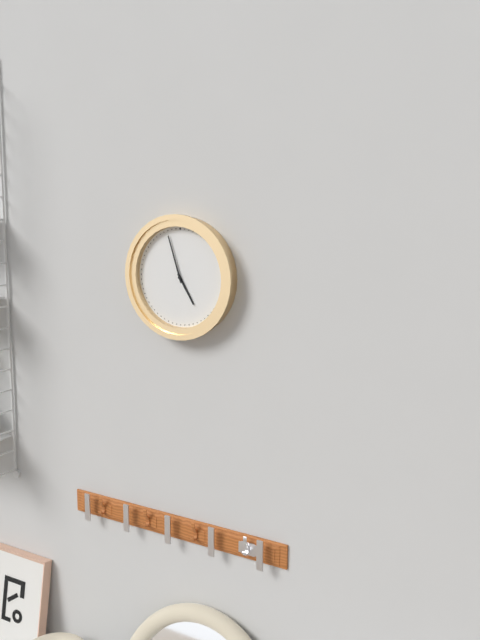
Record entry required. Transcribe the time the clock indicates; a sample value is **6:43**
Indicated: **4:57**
